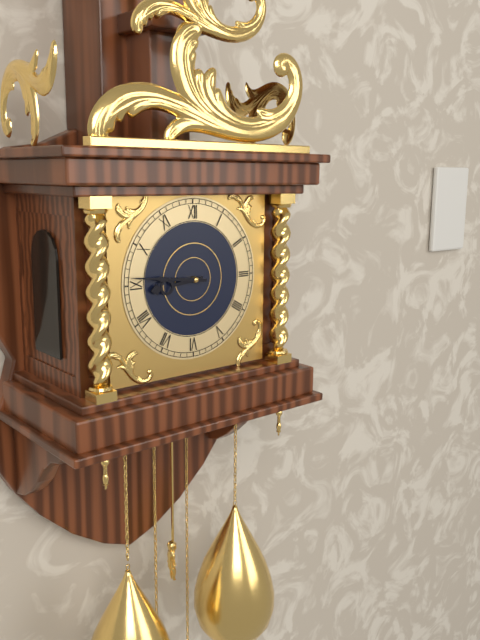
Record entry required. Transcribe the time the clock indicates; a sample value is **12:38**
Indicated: **8:46**
